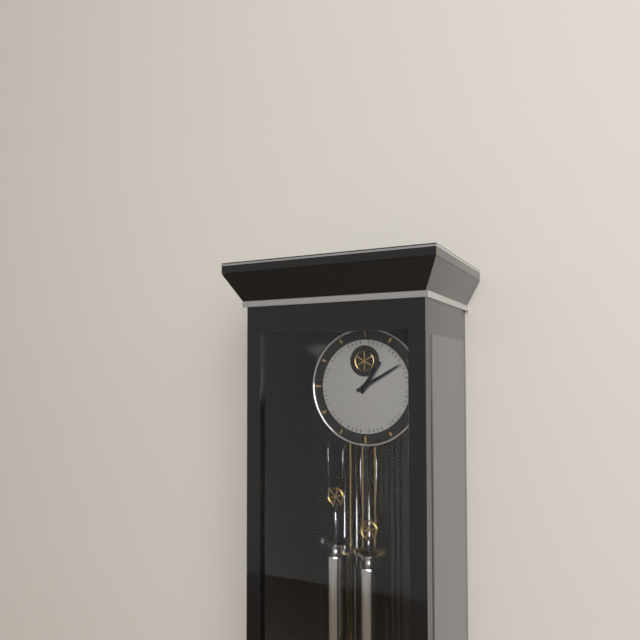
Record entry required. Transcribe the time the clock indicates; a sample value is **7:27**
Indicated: **1:10**
